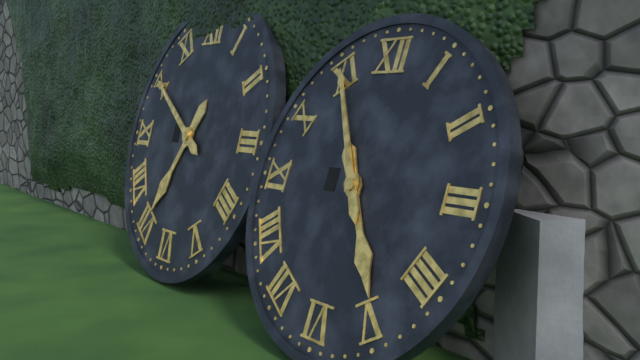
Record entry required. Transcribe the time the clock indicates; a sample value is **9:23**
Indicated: **4:55**
